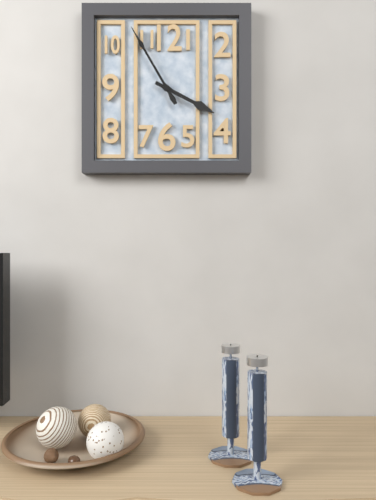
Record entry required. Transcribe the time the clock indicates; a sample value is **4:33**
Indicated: **3:55**
